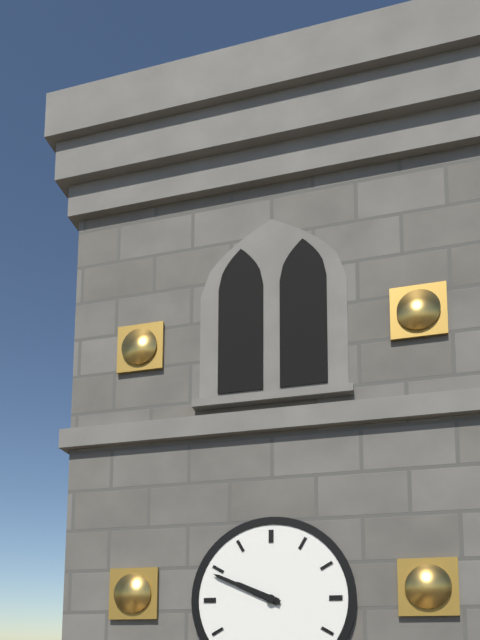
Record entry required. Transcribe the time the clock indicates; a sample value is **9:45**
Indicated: **9:49**
